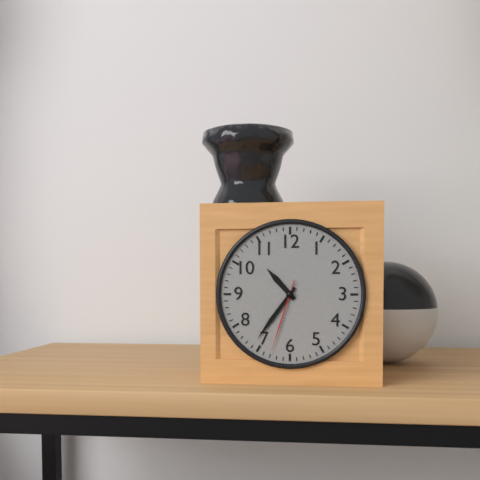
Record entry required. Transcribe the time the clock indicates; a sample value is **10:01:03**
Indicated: **10:36:33**
